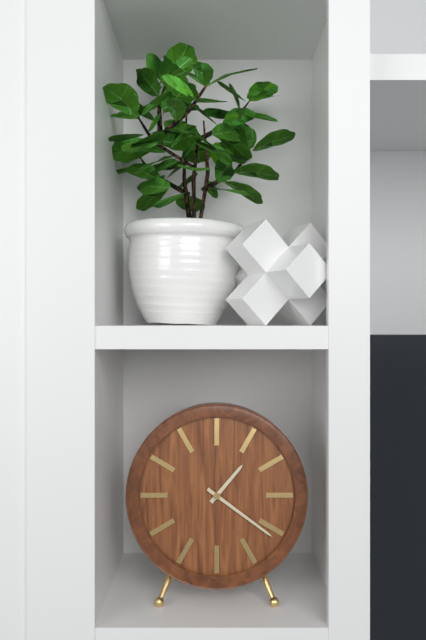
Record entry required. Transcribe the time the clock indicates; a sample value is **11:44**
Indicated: **1:21**
